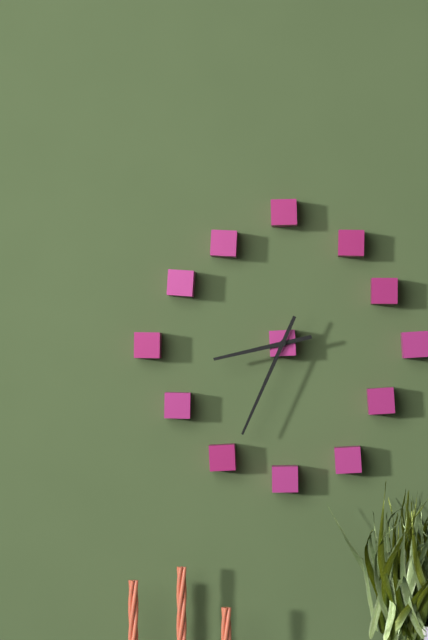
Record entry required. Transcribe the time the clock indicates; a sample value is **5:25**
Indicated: **8:34**
